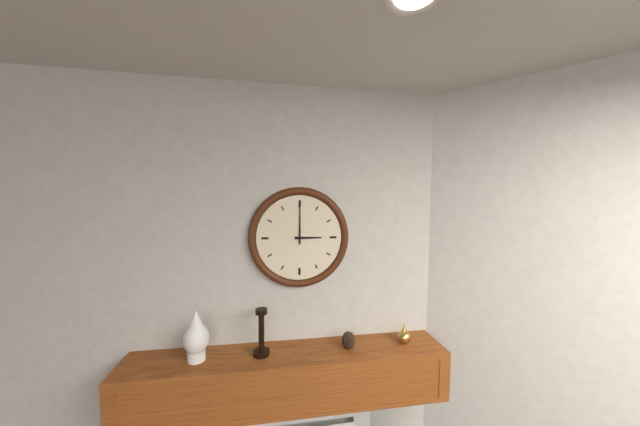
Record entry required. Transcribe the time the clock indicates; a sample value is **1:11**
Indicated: **3:00**
